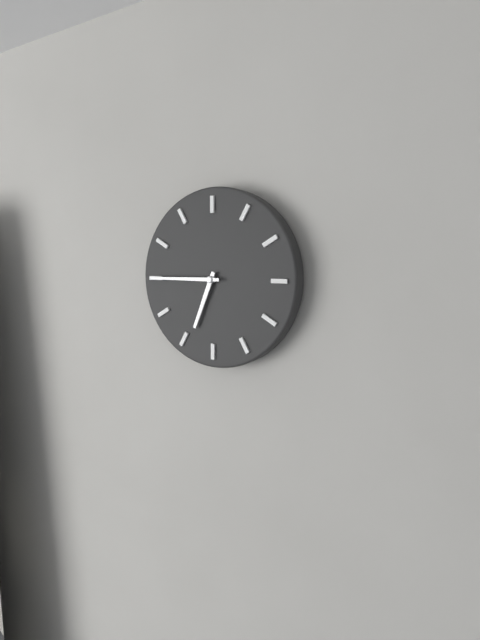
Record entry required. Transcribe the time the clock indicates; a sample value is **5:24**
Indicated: **6:45**
